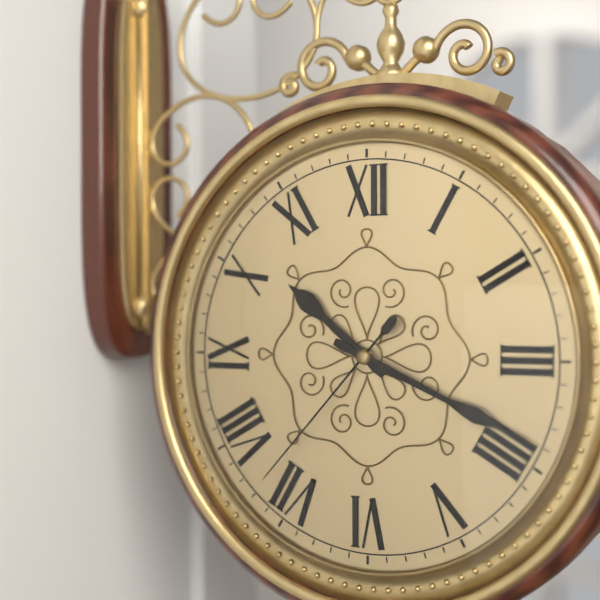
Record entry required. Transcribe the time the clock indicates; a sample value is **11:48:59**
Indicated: **10:19:37**
